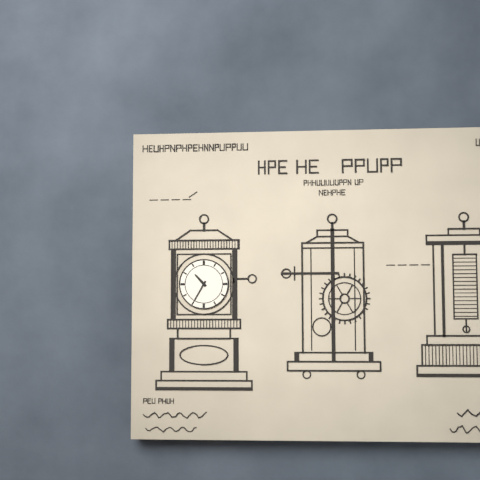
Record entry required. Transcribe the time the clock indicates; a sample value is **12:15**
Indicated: **10:35**
